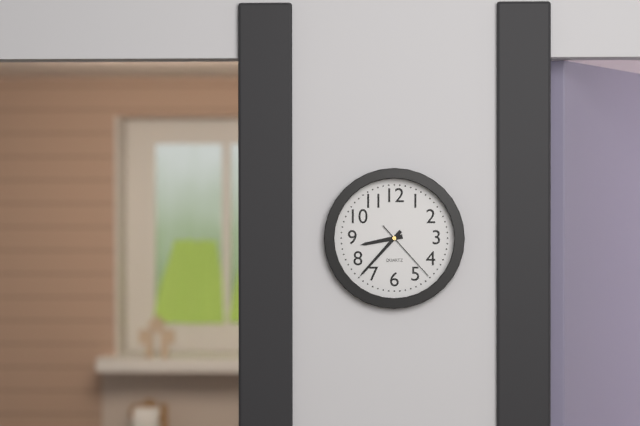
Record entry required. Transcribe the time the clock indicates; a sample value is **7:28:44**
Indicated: **8:37:23**
